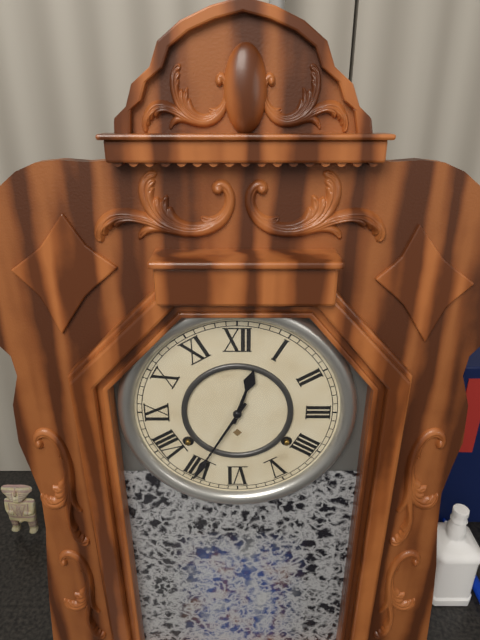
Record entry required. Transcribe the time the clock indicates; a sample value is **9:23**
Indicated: **12:35**
